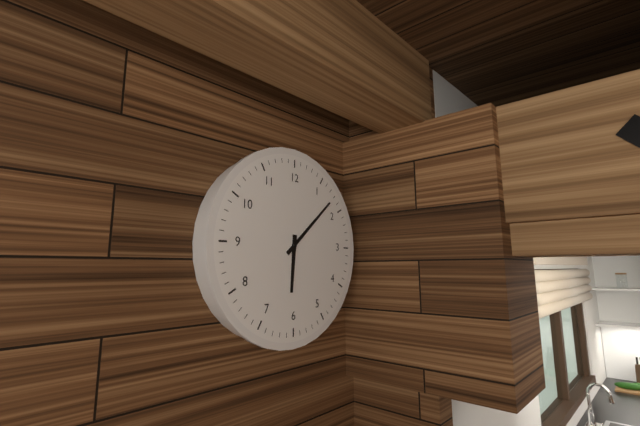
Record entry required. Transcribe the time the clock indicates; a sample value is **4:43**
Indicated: **6:08**
